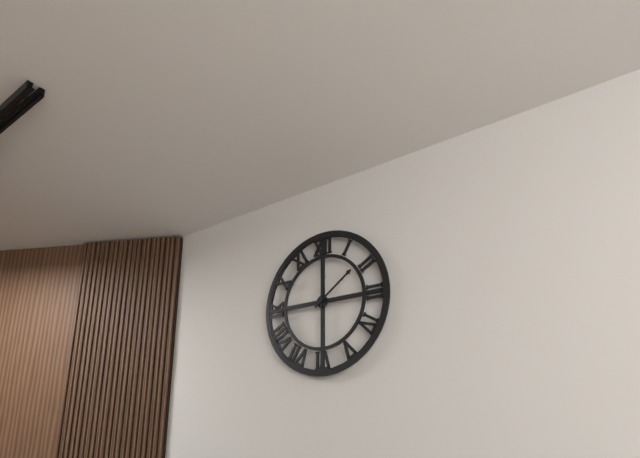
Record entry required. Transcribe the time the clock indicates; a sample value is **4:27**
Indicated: **12:09**
